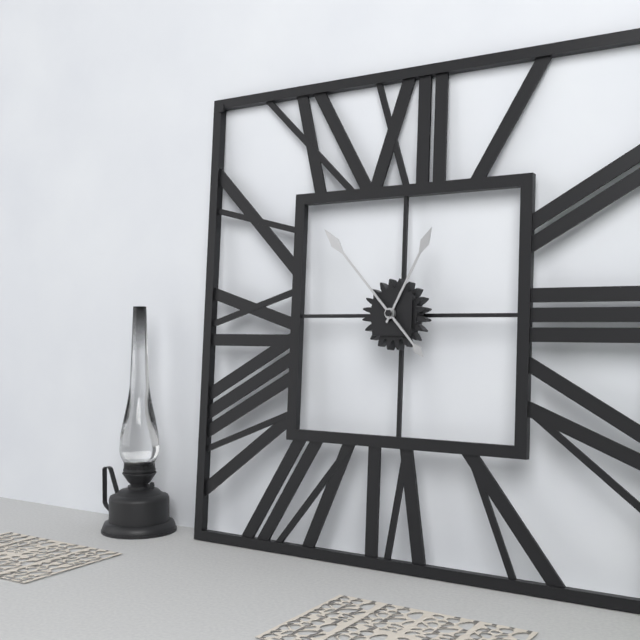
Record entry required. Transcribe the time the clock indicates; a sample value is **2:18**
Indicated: **12:53**
